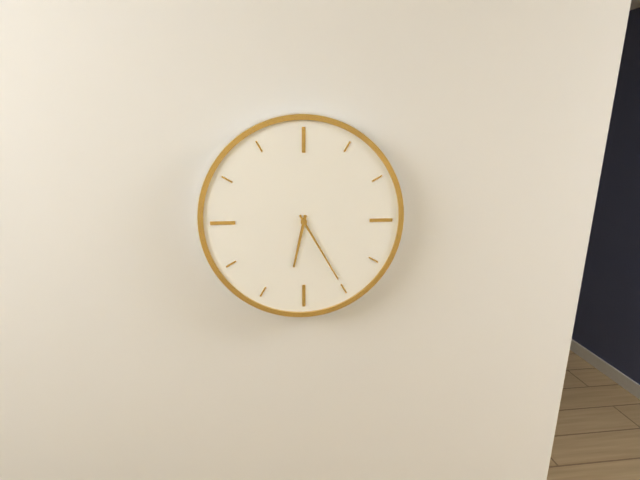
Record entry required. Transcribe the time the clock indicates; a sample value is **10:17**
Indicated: **6:25**
